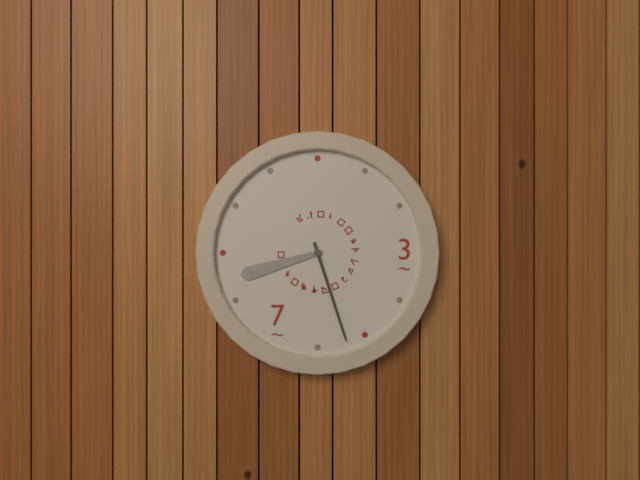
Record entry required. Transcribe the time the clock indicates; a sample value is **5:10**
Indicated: **8:27**
